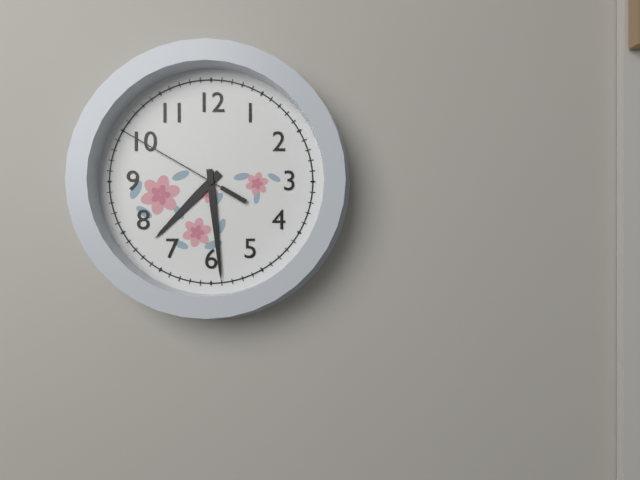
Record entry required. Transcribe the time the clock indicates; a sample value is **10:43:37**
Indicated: **7:29:50**
